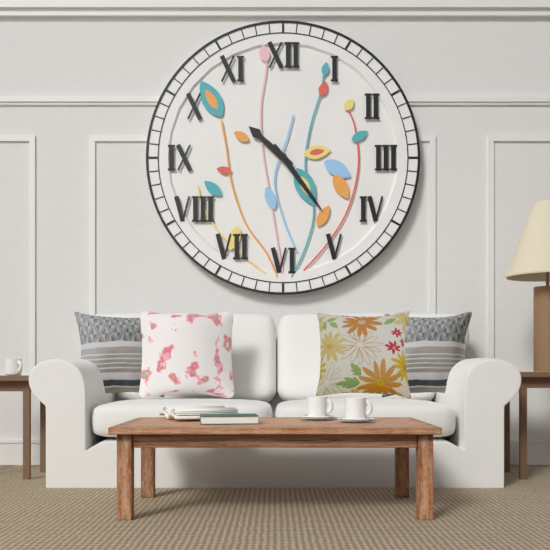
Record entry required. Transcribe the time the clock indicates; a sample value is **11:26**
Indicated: **10:24**
